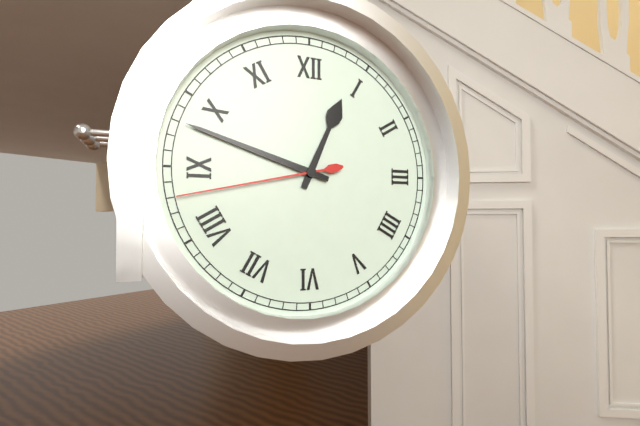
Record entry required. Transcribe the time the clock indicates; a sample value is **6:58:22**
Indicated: **12:48:43**
